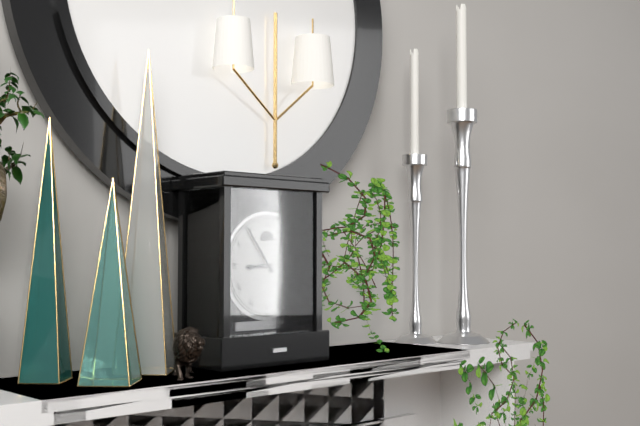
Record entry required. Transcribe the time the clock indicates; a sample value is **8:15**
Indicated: **8:54**
